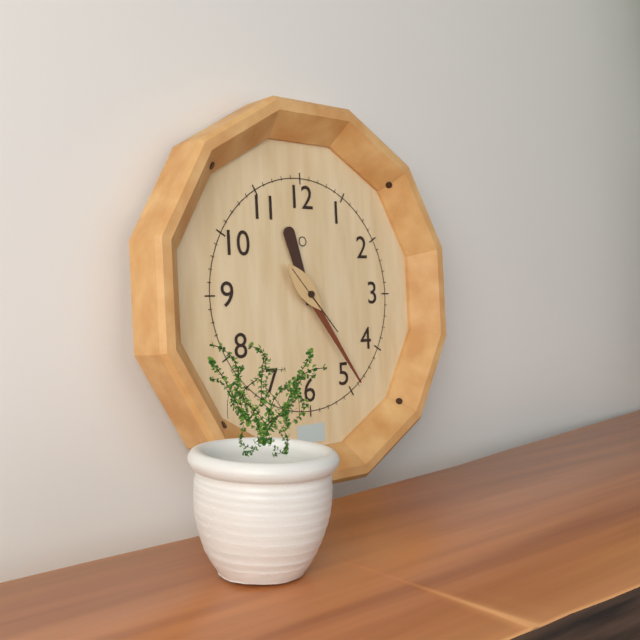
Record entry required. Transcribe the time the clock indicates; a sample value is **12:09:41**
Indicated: **11:24:23**
